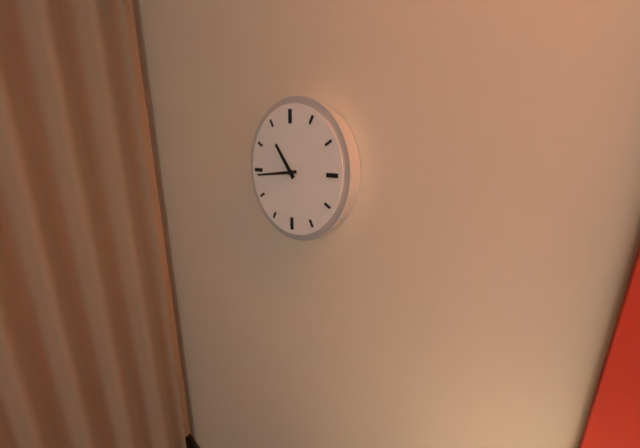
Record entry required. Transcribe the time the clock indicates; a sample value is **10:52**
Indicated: **10:44**
